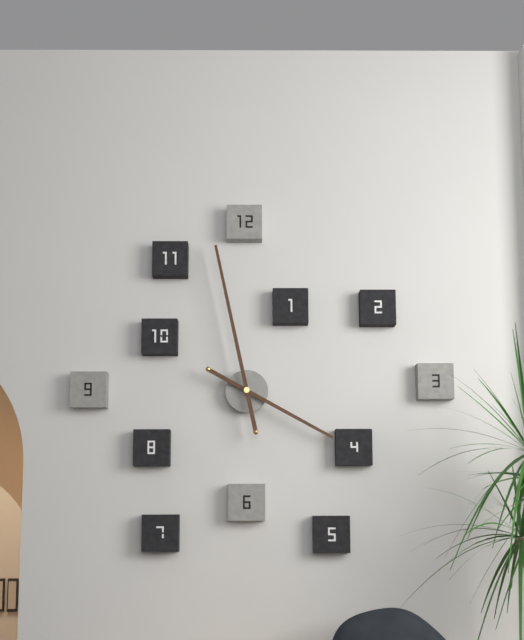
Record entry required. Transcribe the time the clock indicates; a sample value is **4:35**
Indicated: **3:58**
